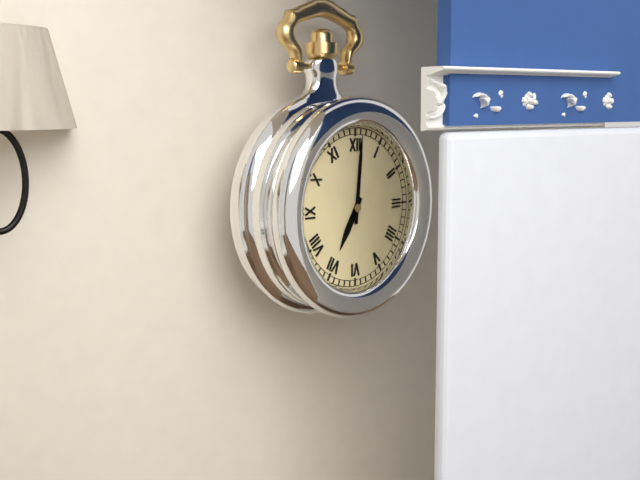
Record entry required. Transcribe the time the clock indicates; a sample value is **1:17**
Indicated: **7:01**
